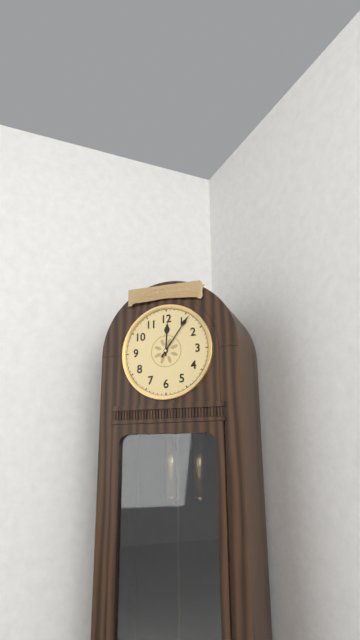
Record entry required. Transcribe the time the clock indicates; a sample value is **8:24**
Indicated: **12:06**
